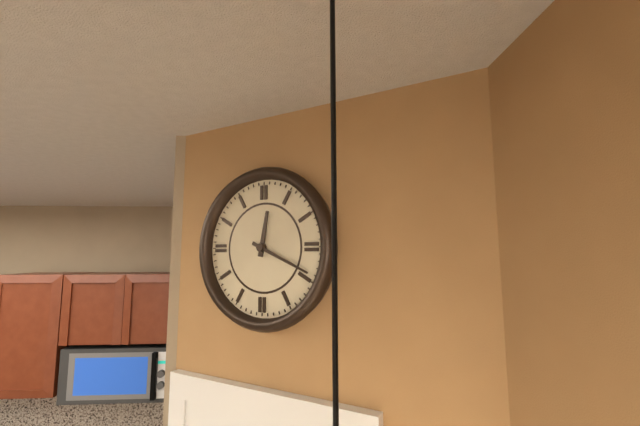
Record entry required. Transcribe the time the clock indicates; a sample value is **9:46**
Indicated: **12:19**
